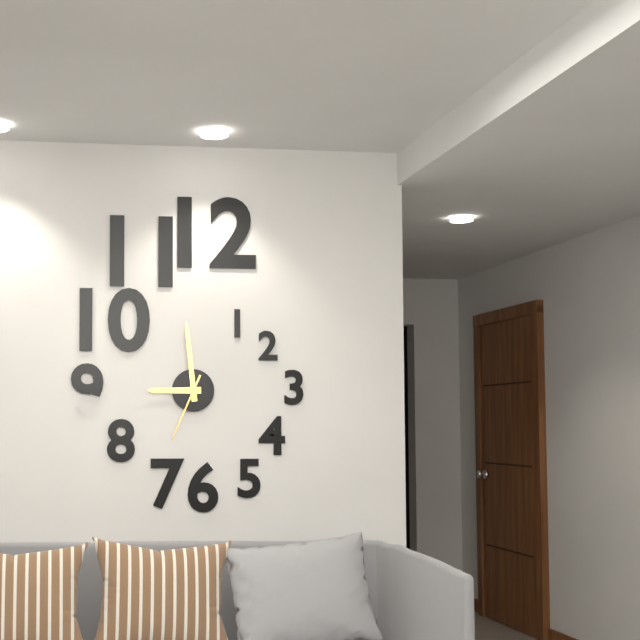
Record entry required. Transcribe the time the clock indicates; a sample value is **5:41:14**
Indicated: **8:59:34**
